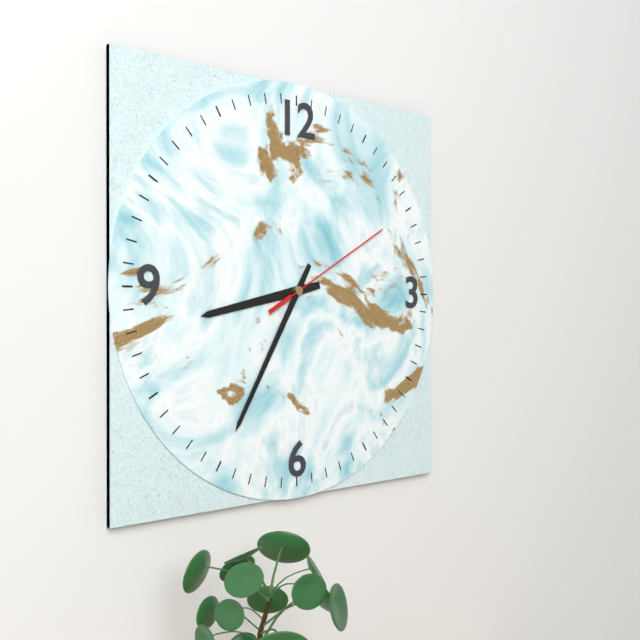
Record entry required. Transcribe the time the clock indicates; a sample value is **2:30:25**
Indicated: **8:35:10**
